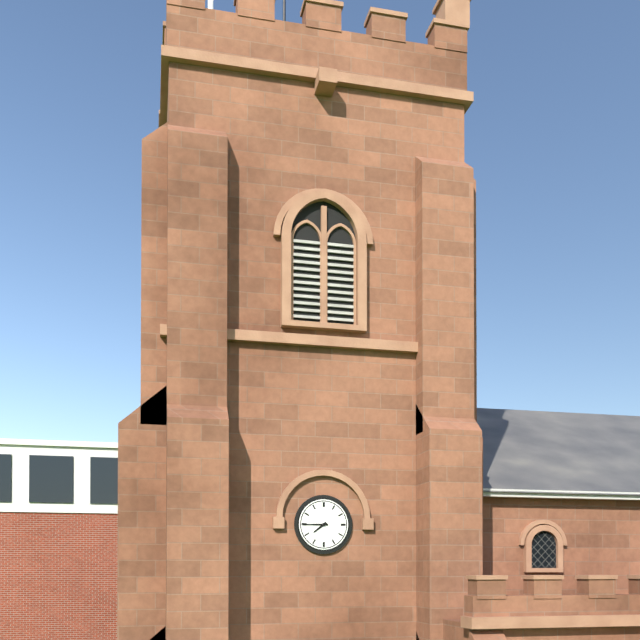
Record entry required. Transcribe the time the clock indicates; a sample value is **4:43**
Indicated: **7:45**
